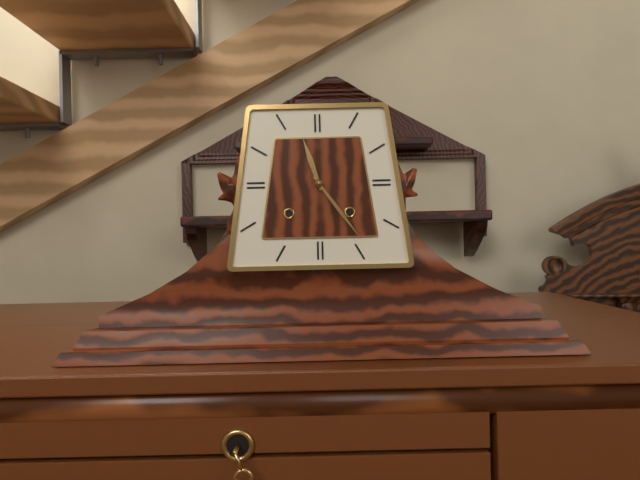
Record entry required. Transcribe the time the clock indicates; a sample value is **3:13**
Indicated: **11:24**
